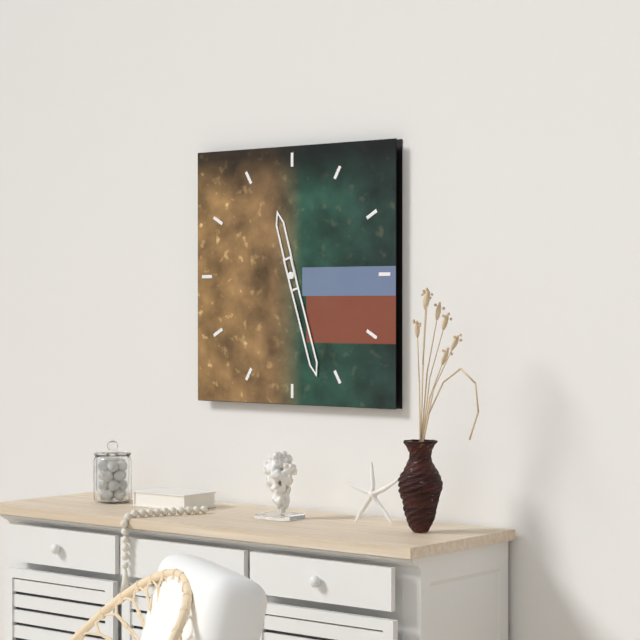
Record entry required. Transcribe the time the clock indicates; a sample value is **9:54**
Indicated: **11:27**
